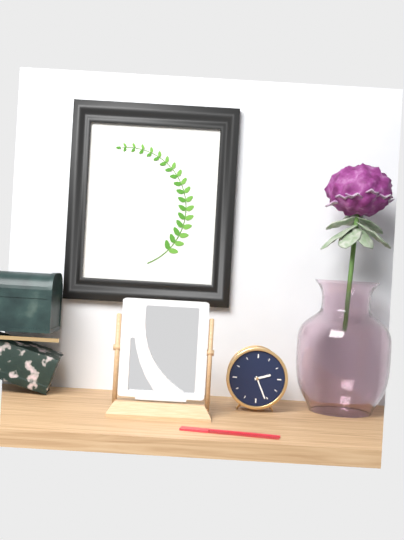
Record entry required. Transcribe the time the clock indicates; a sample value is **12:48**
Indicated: **2:26**
